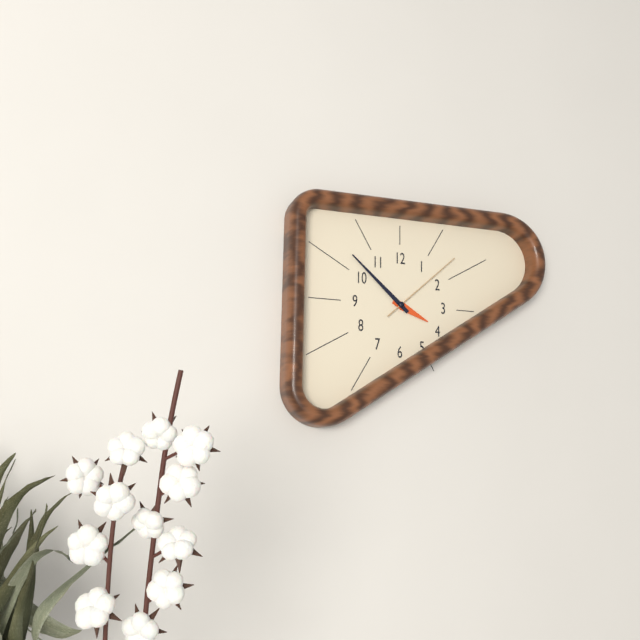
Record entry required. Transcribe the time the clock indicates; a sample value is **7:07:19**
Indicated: **3:52:08**
